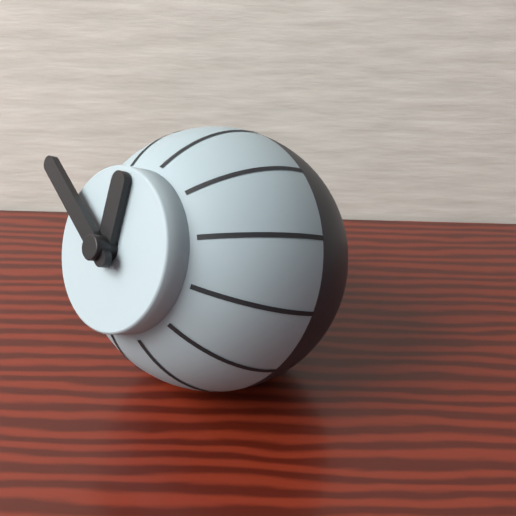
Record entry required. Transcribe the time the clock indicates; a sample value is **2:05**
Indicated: **11:49**
